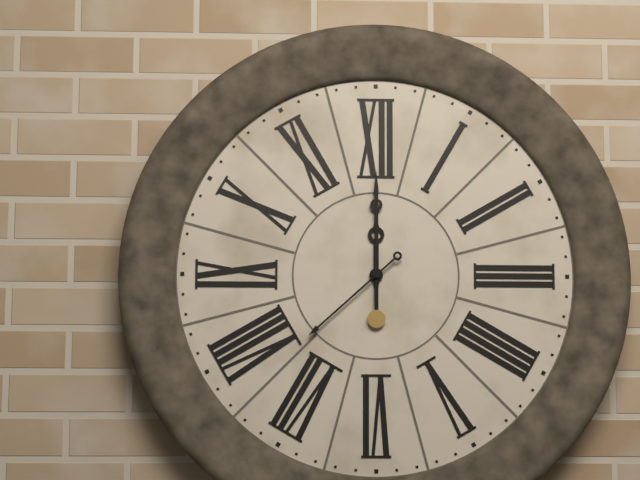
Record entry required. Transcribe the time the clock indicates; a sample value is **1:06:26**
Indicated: **12:00:38**
